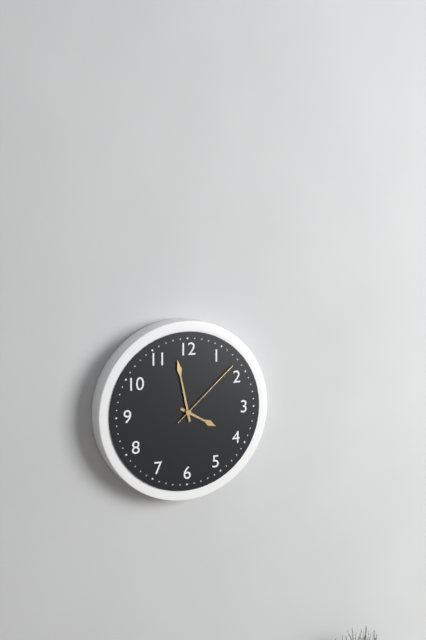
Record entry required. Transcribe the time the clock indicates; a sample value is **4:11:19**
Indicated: **3:58:08**
